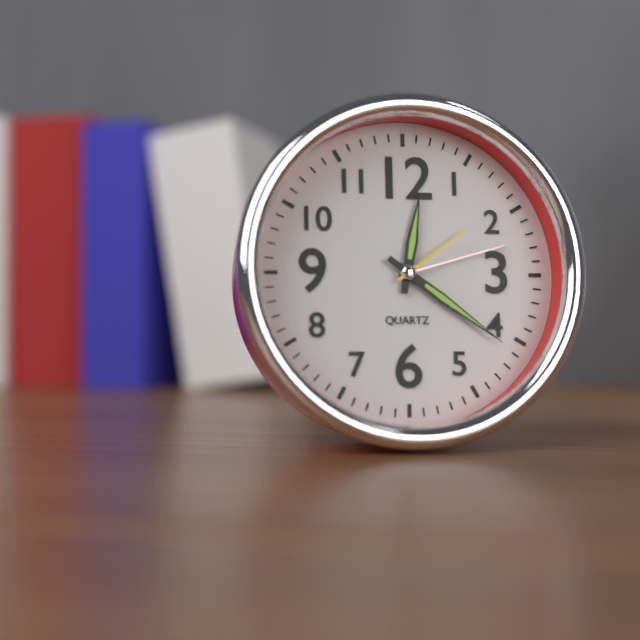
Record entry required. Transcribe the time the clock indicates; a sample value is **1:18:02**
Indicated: **12:21:09**
